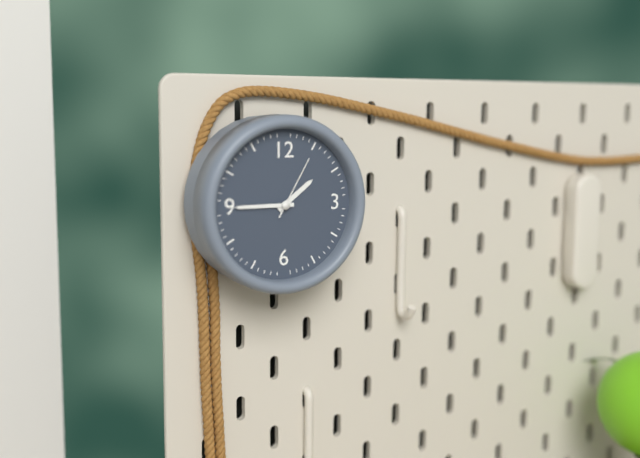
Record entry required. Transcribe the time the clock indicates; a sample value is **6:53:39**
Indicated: **1:45:05**
